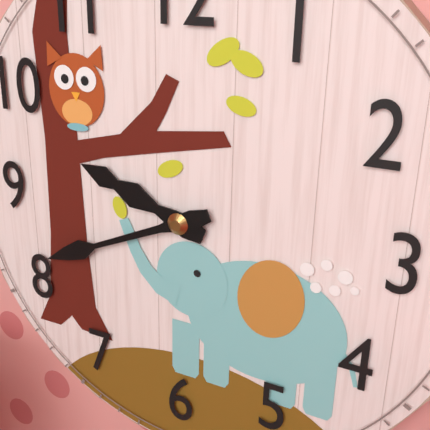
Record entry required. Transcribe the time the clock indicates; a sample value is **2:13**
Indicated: **9:41**
